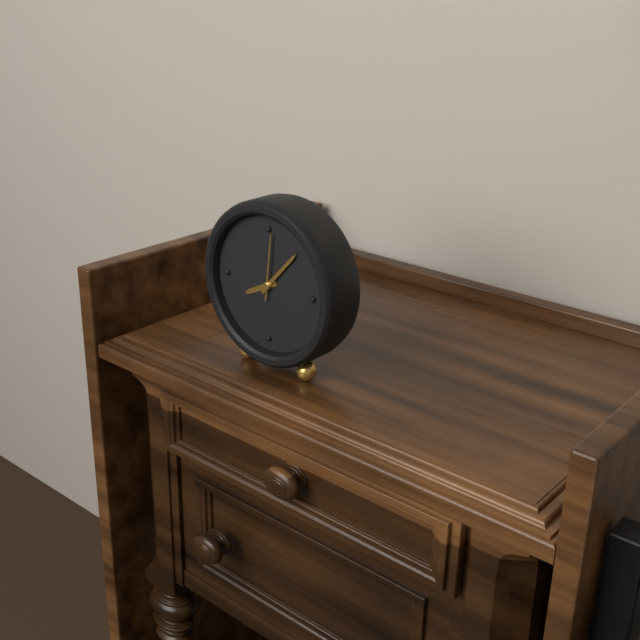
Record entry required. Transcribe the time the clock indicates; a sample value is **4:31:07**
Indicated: **8:07:01**
